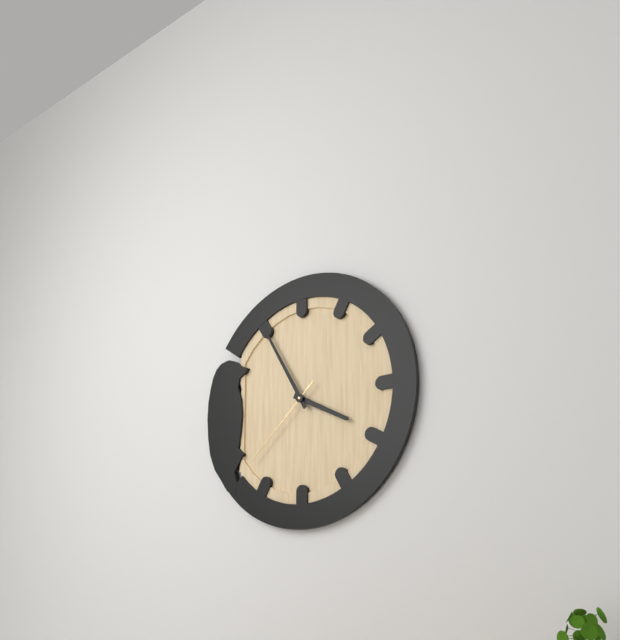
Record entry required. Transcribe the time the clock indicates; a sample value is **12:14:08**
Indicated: **3:55:38**
